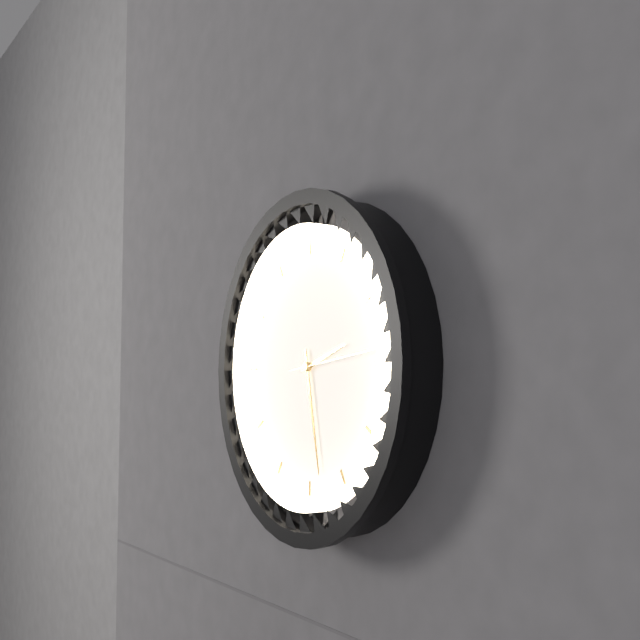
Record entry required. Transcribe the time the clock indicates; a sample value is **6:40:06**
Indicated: **2:28:14**
